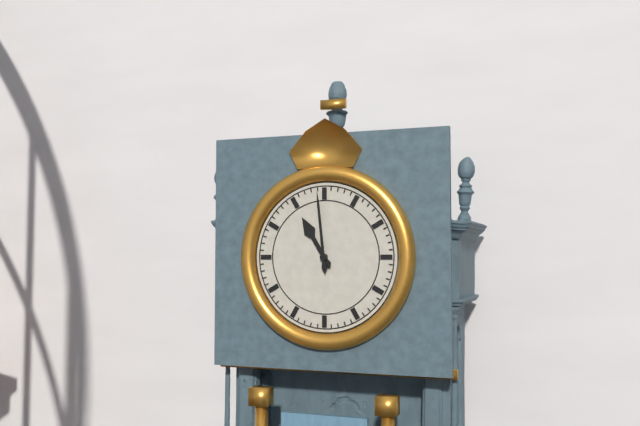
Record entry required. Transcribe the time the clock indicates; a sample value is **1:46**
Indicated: **10:59**
